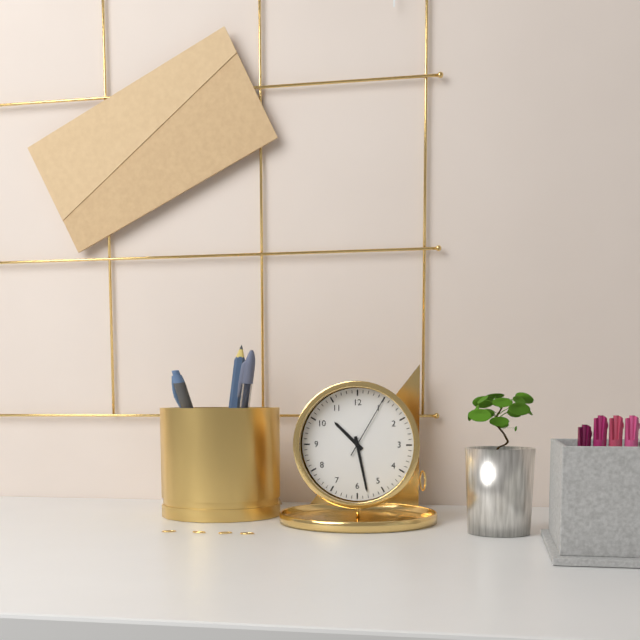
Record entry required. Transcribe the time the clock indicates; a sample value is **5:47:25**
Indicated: **10:28:05**
